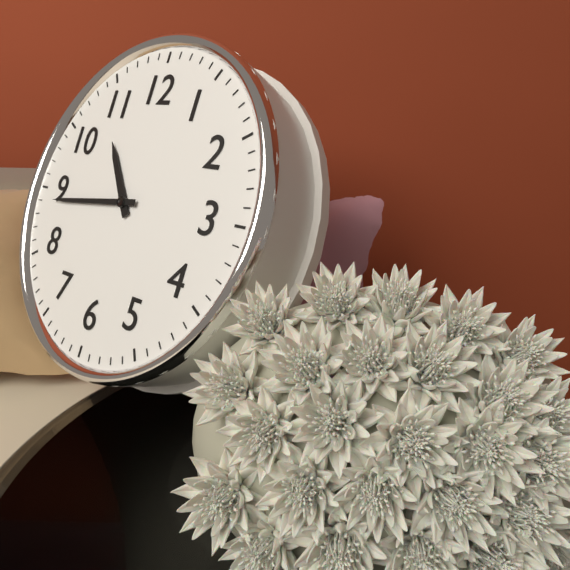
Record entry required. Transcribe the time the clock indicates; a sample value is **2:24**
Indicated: **10:44**
